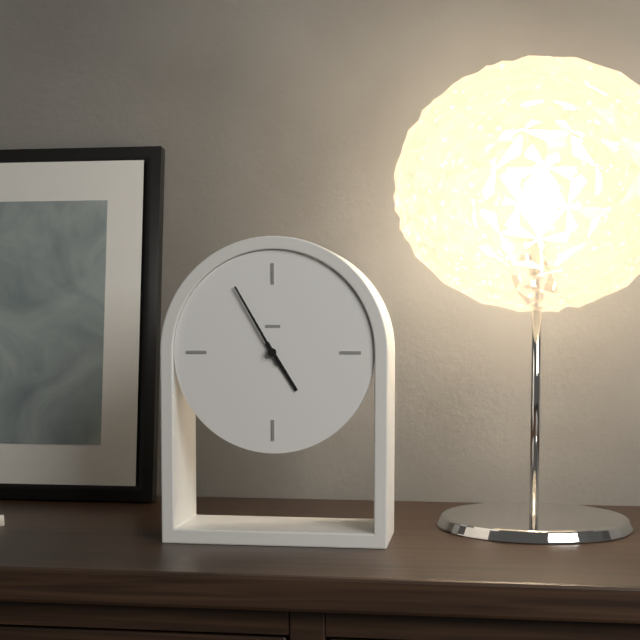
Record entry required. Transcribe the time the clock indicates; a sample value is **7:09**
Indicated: **4:55**
